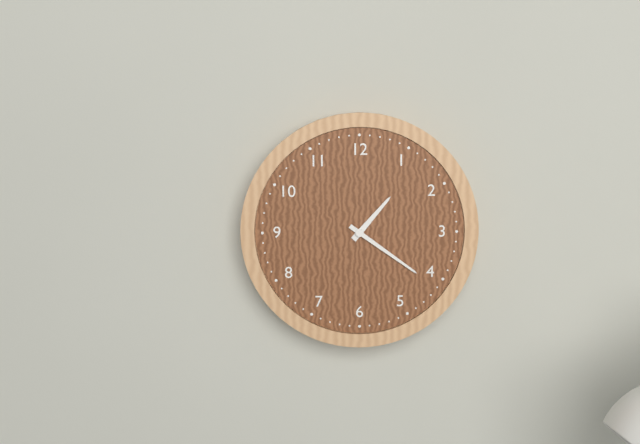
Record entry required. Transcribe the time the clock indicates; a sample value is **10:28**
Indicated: **1:21**
